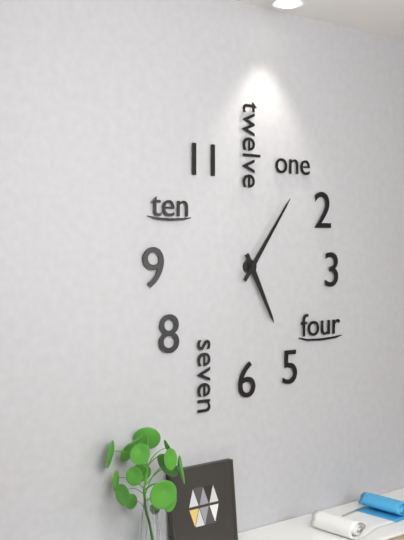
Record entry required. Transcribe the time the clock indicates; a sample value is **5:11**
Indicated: **5:06**
